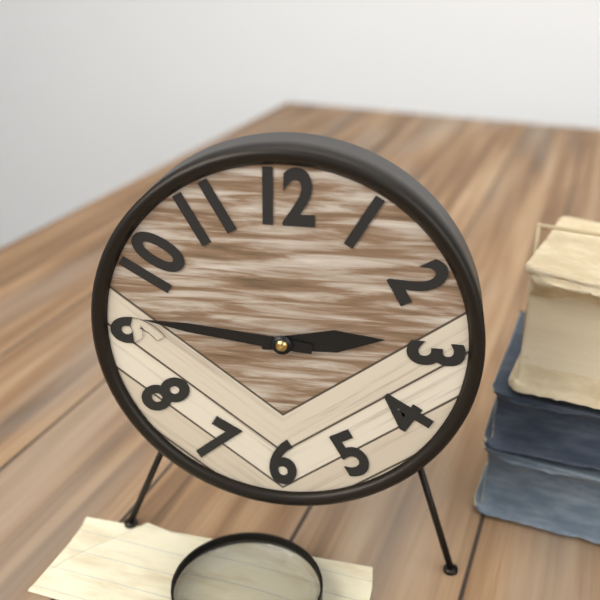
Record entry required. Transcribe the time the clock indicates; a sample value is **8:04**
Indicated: **2:46**
